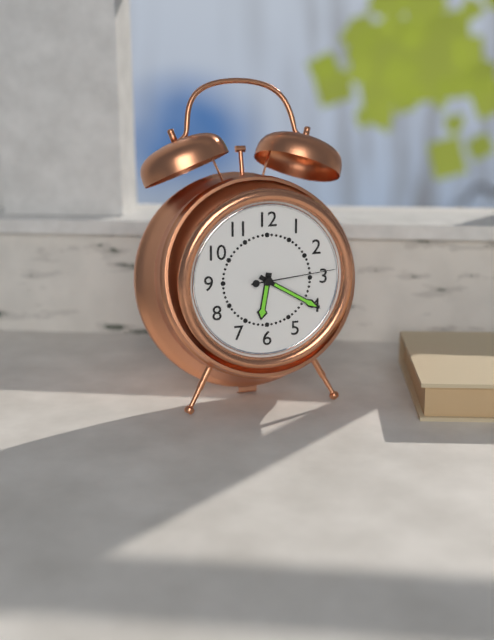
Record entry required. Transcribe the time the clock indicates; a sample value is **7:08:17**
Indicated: **6:20:14**
